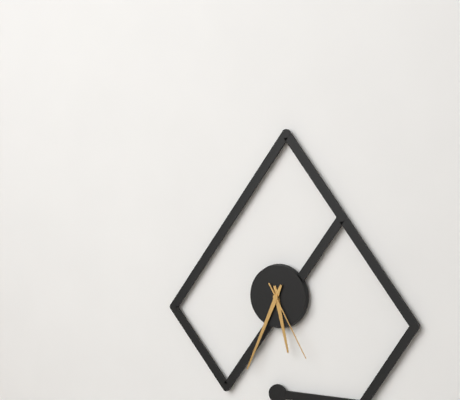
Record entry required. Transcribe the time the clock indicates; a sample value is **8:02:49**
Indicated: **5:34:25**
